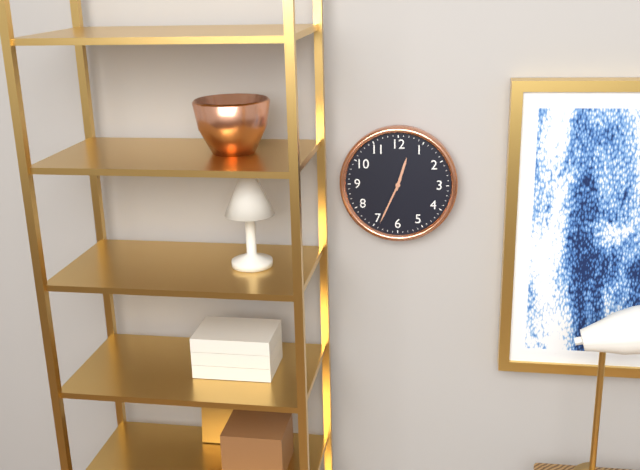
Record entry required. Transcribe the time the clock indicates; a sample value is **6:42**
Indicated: **12:34**
